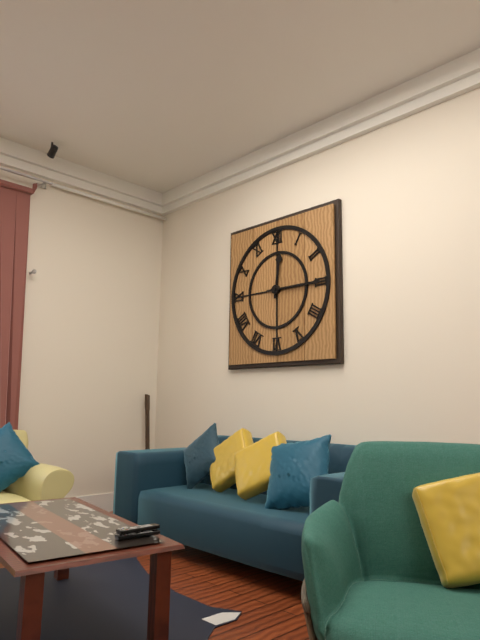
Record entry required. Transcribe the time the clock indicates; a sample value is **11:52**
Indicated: **12:15**
